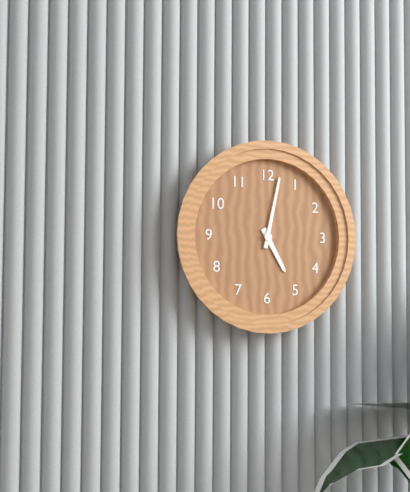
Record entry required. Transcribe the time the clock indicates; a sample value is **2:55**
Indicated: **5:02**
